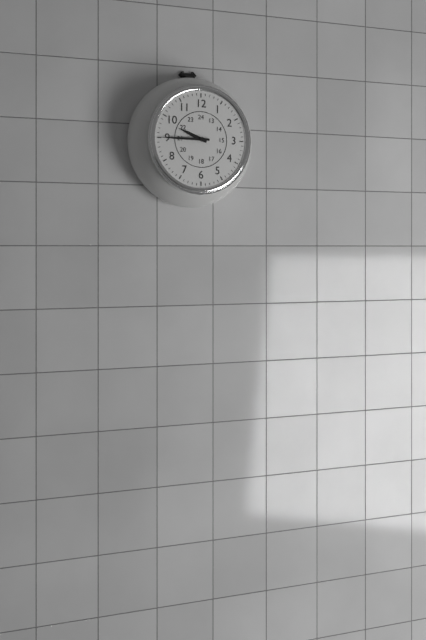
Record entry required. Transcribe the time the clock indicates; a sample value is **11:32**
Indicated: **9:45**
